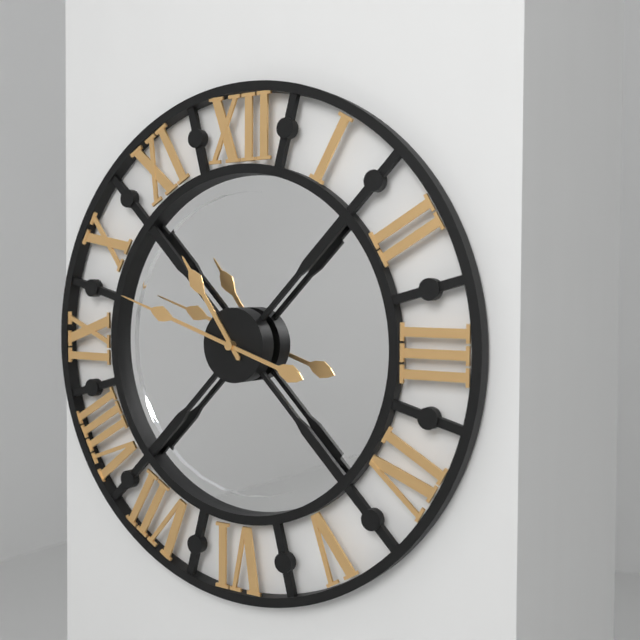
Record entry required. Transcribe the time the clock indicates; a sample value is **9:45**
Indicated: **10:48**
